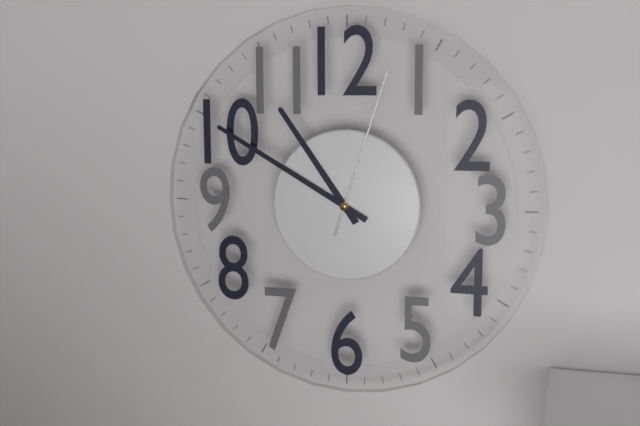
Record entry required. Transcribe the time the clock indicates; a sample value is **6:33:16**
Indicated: **10:50:03**
